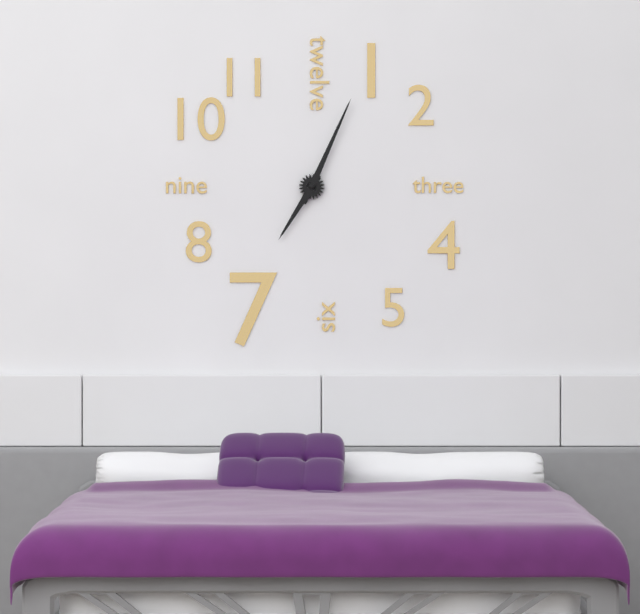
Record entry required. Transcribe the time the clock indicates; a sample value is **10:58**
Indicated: **7:04**
